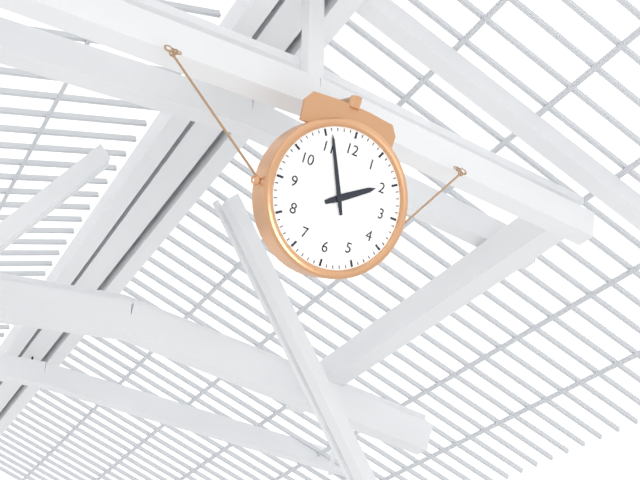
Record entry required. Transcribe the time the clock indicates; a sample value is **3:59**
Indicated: **1:56**
